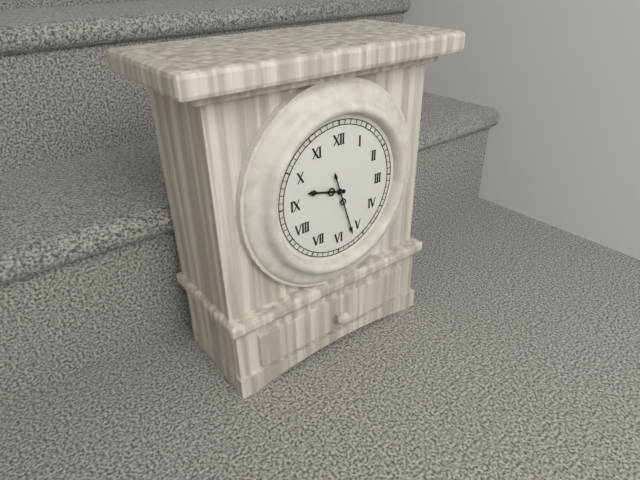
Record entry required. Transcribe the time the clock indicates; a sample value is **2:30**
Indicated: **9:27**
